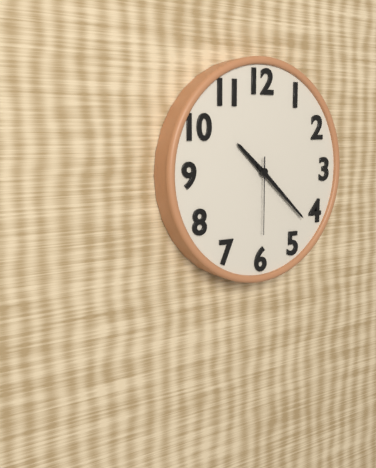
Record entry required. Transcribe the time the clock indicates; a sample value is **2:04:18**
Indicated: **10:22:30**
